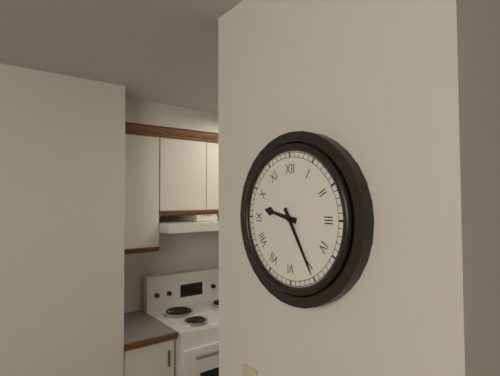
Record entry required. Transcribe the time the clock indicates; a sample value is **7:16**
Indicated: **9:25**
